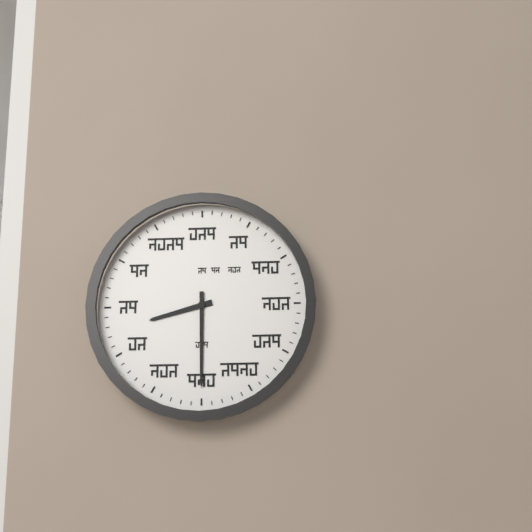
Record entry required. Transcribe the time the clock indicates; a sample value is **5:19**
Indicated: **8:30**
